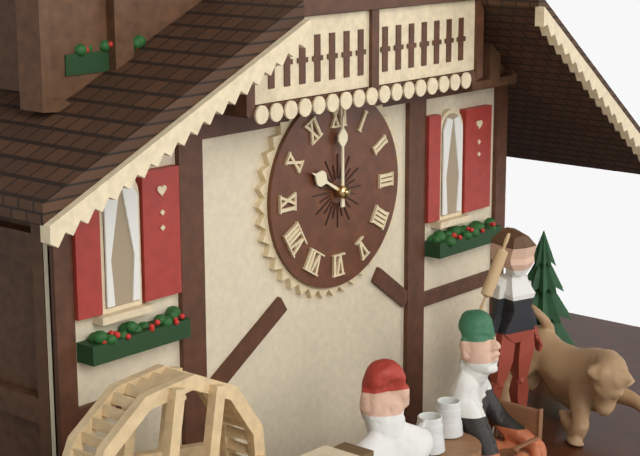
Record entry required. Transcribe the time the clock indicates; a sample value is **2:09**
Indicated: **10:00**
